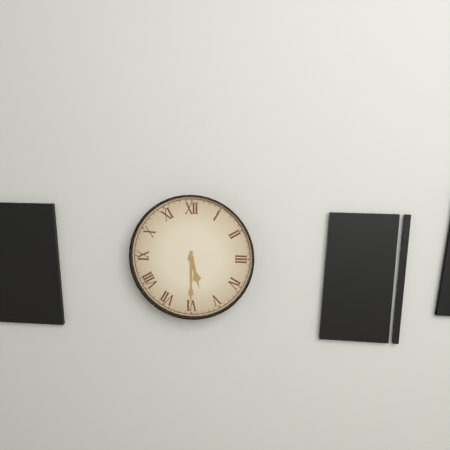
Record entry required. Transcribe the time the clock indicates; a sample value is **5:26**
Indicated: **5:30**
